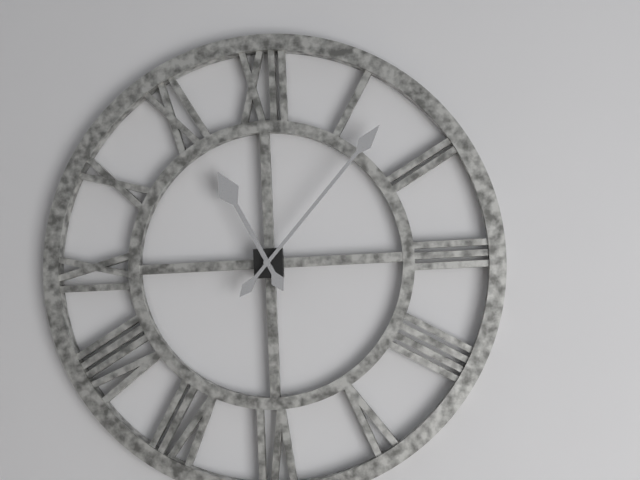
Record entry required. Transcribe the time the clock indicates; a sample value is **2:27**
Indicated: **11:07**
